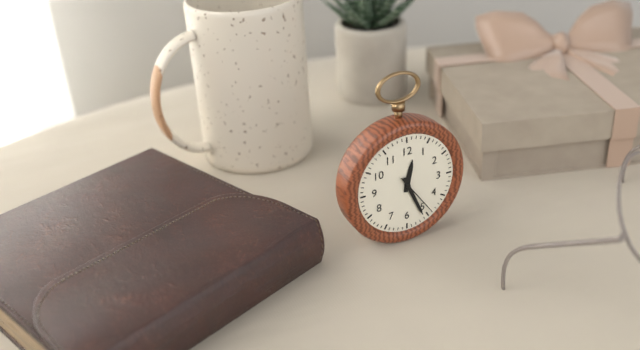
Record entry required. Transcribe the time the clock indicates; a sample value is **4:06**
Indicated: **12:26**
